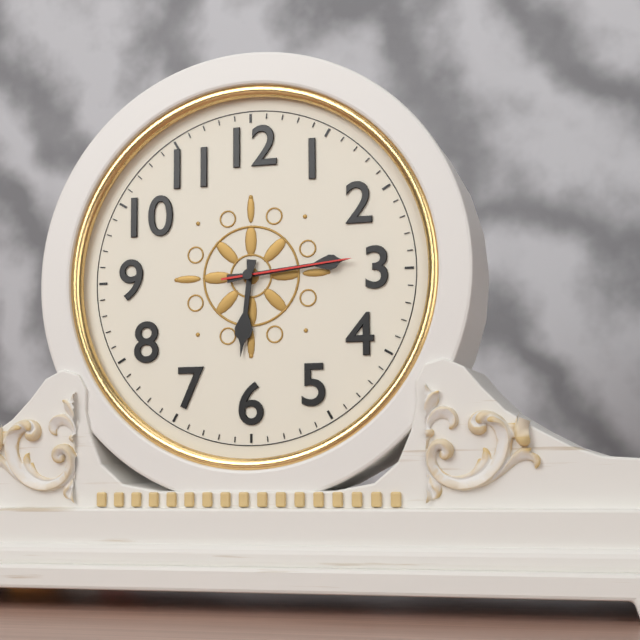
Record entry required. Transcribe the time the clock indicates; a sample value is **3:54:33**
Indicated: **6:14:14**
